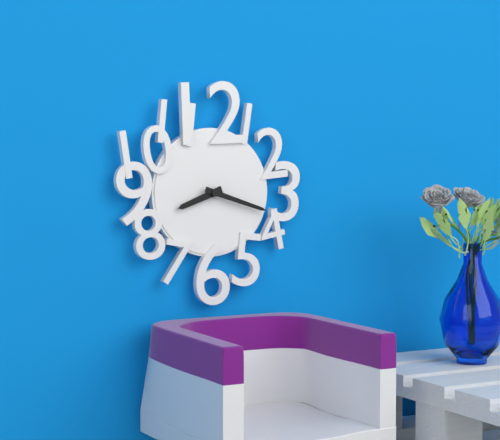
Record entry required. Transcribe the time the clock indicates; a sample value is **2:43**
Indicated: **8:18**
